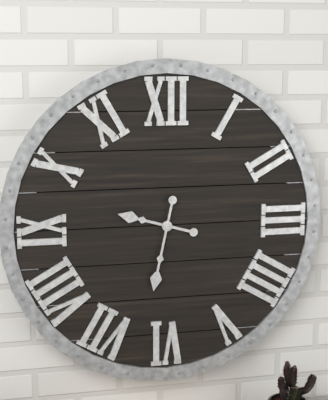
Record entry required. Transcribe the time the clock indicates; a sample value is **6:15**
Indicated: **9:32**
